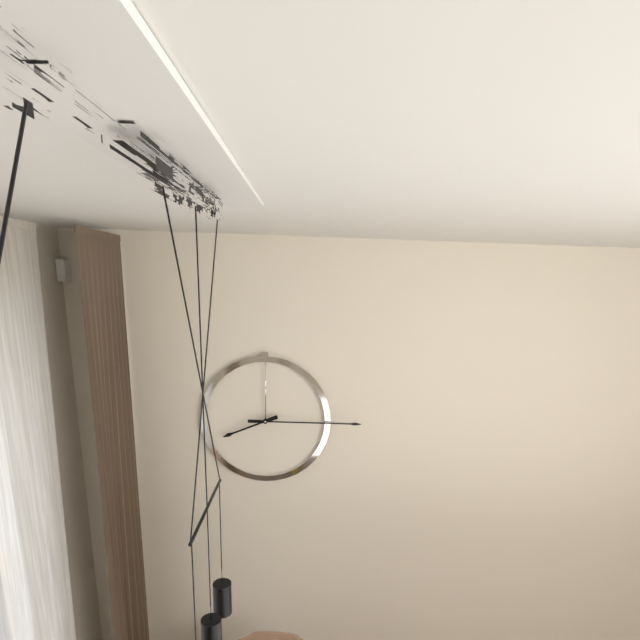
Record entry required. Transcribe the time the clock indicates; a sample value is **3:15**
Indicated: **8:15**
